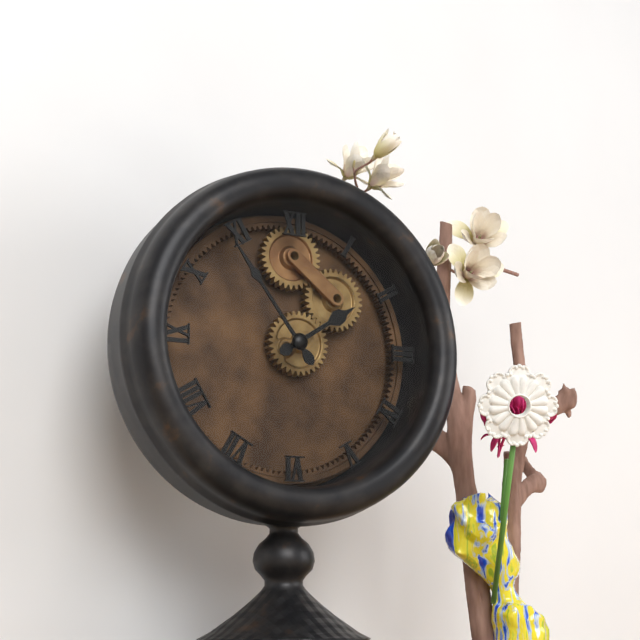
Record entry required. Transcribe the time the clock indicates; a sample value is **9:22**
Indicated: **1:54**
